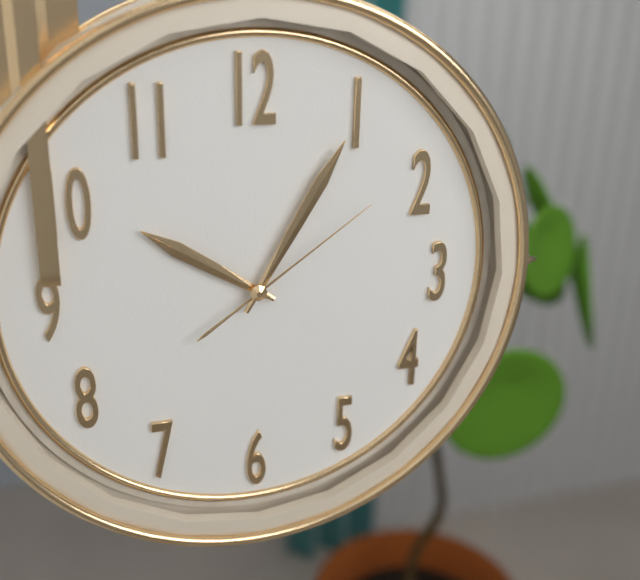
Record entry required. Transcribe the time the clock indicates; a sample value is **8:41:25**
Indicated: **10:05:09**
